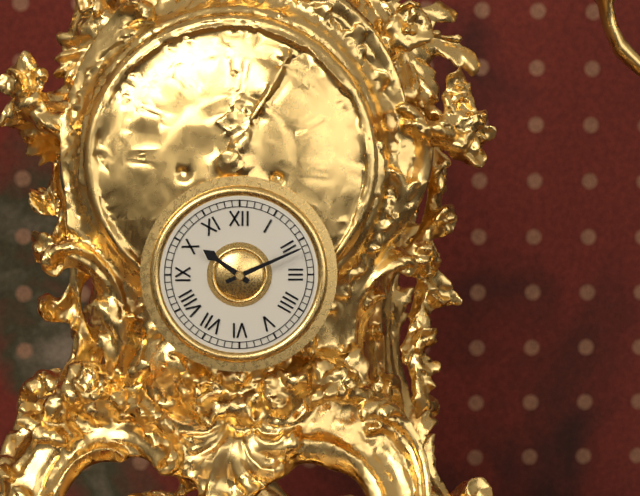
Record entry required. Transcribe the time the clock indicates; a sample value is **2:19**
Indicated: **10:11**
